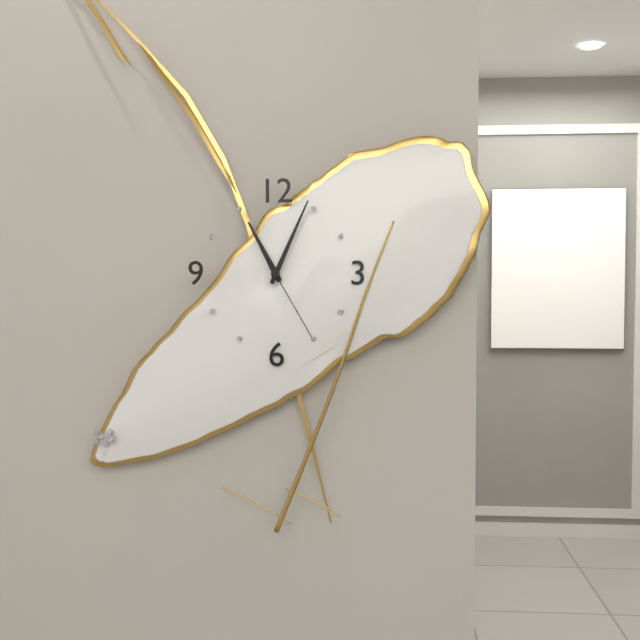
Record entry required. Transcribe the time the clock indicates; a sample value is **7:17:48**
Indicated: **11:04:25**
